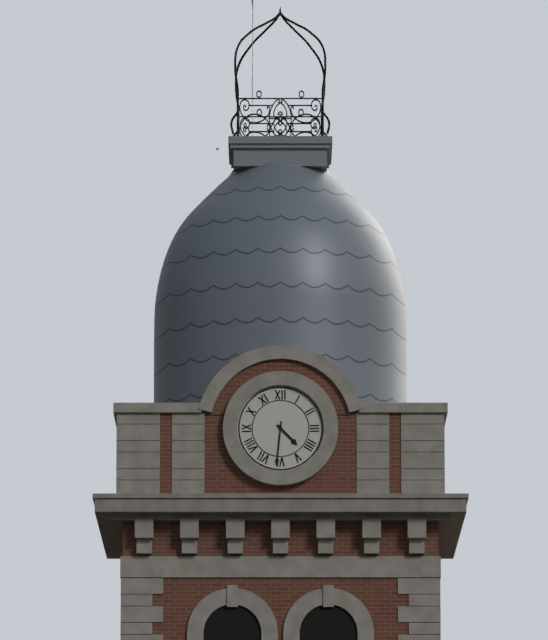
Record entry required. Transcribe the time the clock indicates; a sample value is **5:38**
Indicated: **4:31**
